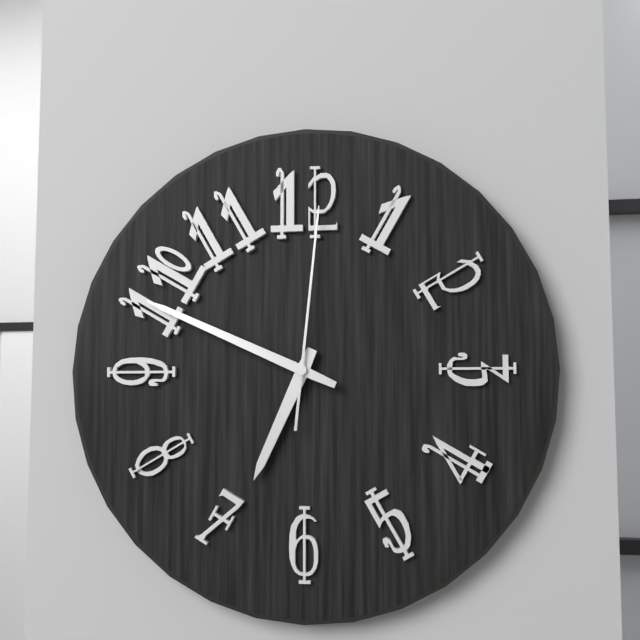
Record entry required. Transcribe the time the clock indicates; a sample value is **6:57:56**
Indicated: **6:49:01**
